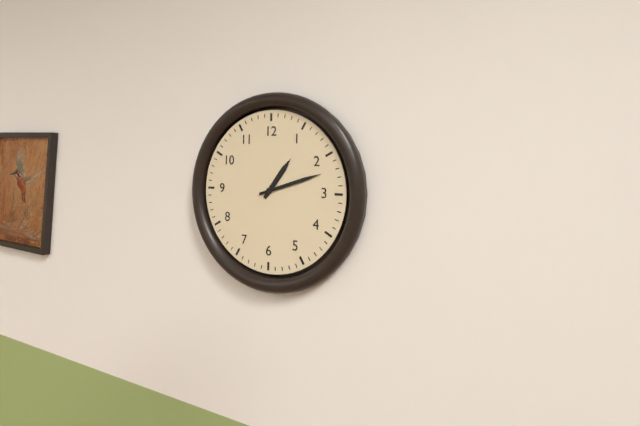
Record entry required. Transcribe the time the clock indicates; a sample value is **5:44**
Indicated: **1:12**
